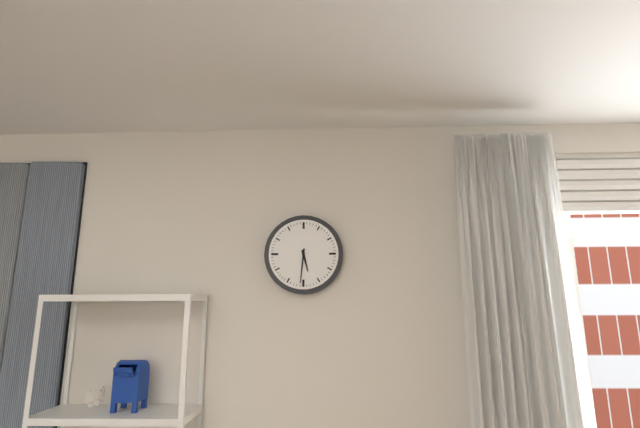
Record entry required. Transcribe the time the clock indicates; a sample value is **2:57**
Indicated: **5:31**
